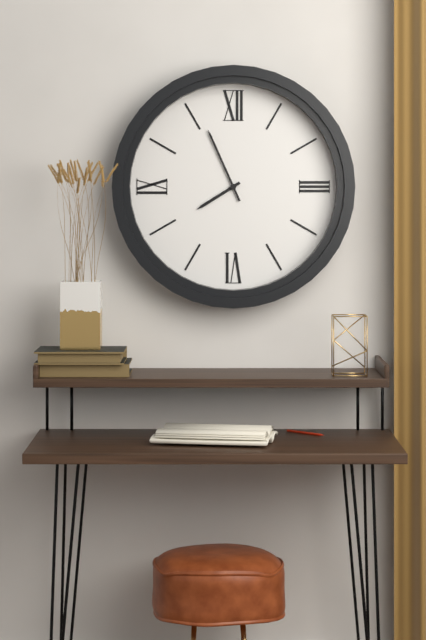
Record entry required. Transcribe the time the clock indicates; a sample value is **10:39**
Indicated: **7:56**
